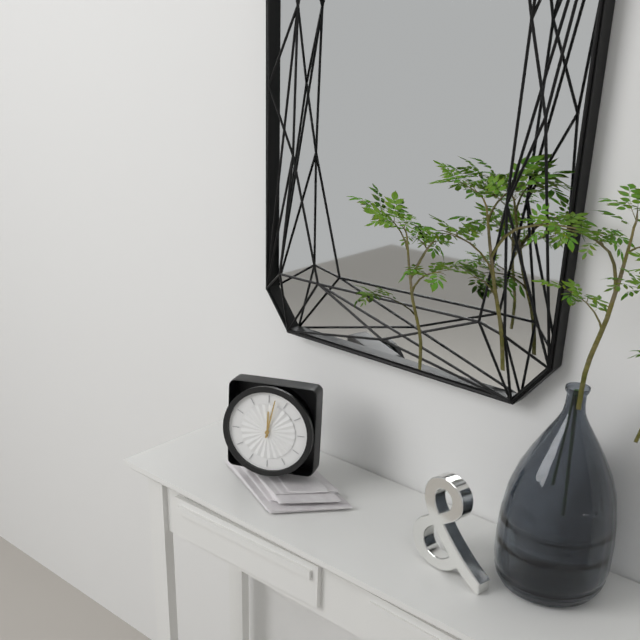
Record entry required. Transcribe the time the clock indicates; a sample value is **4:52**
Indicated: **12:02**
